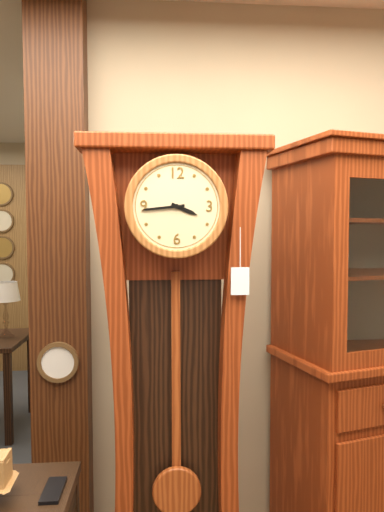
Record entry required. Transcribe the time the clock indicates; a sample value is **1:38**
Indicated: **3:44**
